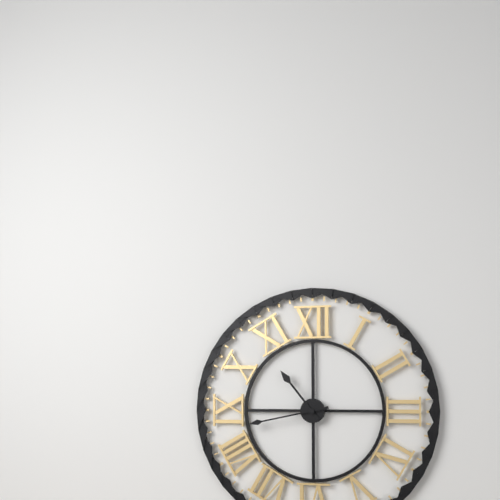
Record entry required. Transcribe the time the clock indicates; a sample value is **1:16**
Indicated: **10:43**
